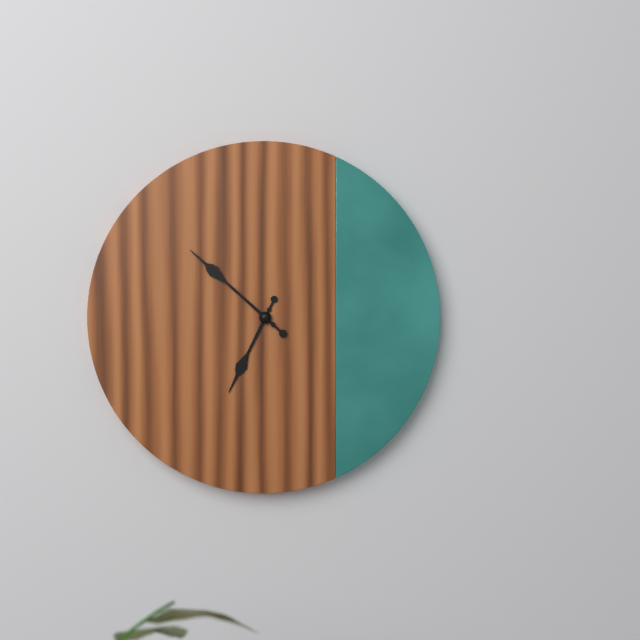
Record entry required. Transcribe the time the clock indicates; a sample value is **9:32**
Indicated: **6:52**
